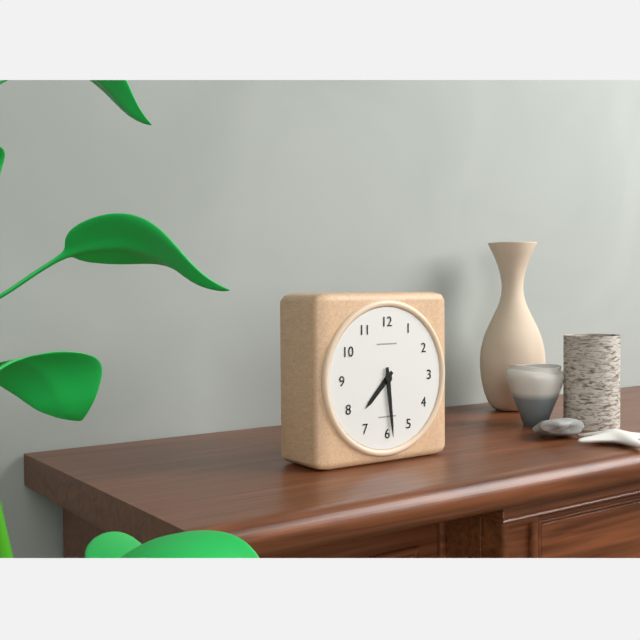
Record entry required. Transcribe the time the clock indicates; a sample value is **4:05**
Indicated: **7:29**
